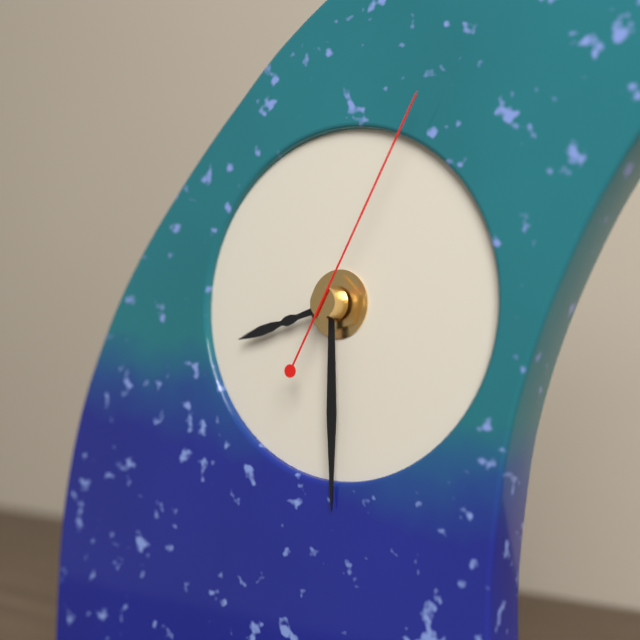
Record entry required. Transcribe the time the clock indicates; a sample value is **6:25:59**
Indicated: **8:30:05**
